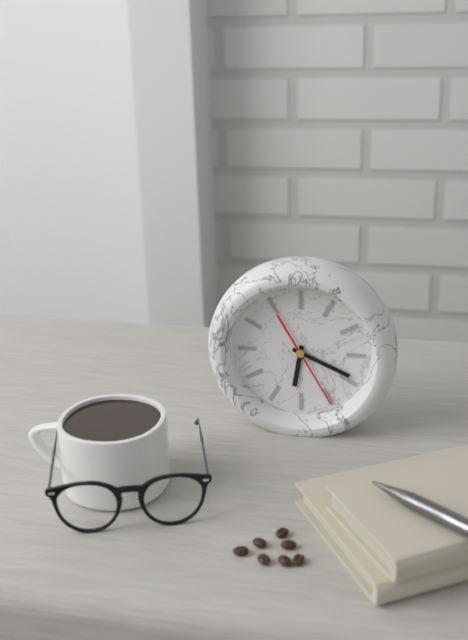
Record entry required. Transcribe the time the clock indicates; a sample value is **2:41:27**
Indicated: **6:19:25**
